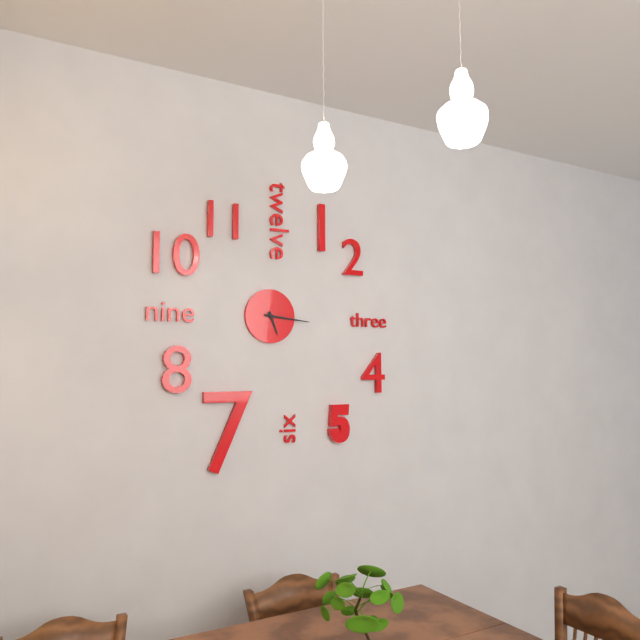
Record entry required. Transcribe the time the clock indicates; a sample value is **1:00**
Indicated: **5:16**
